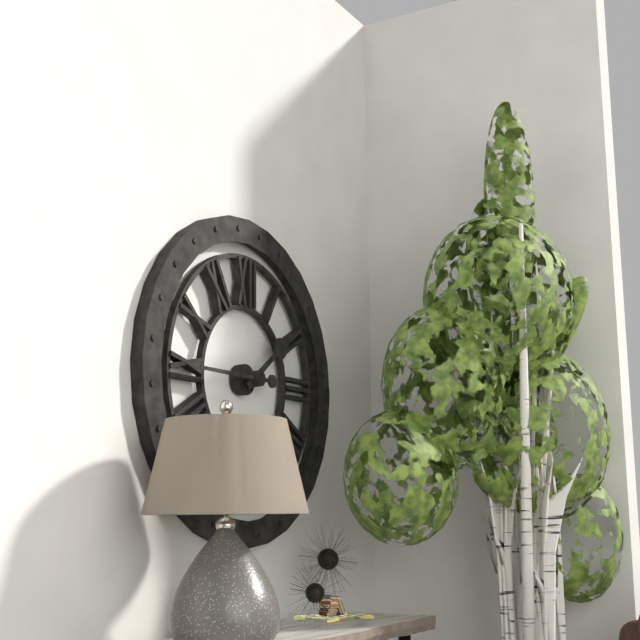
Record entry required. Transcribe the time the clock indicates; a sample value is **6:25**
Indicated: **1:45**
